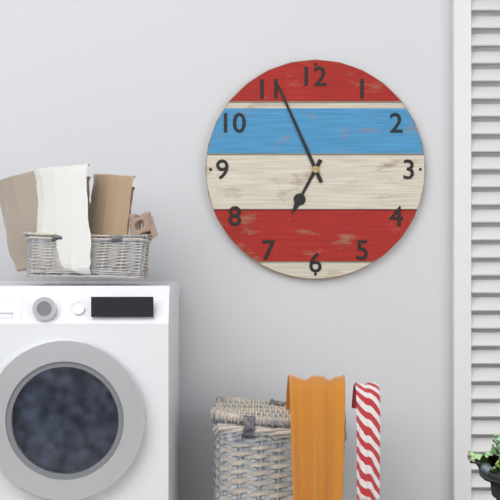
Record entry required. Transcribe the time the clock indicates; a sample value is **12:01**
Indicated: **6:56**
